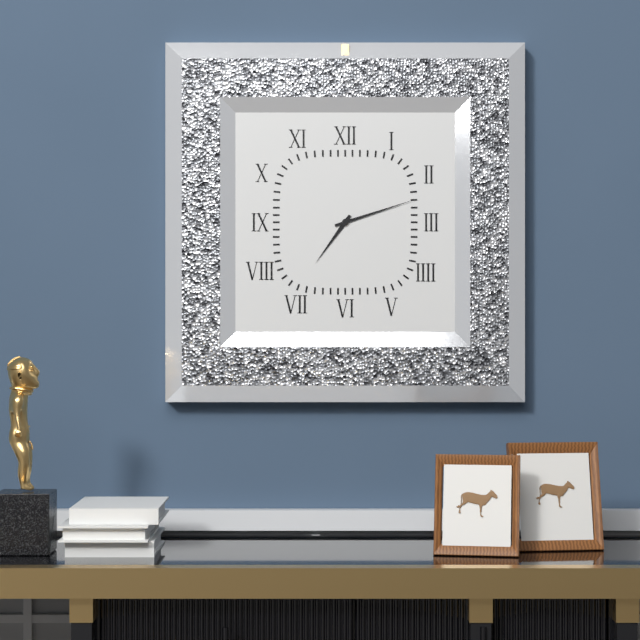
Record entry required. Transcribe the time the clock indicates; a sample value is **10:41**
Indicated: **7:12**
